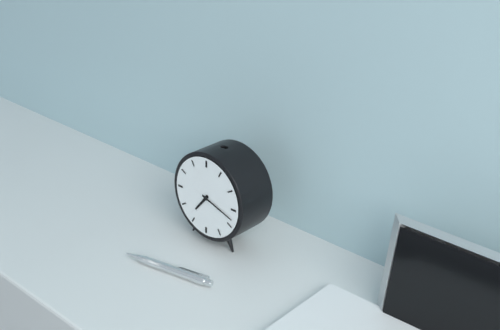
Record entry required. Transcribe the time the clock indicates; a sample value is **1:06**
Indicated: **7:18**
